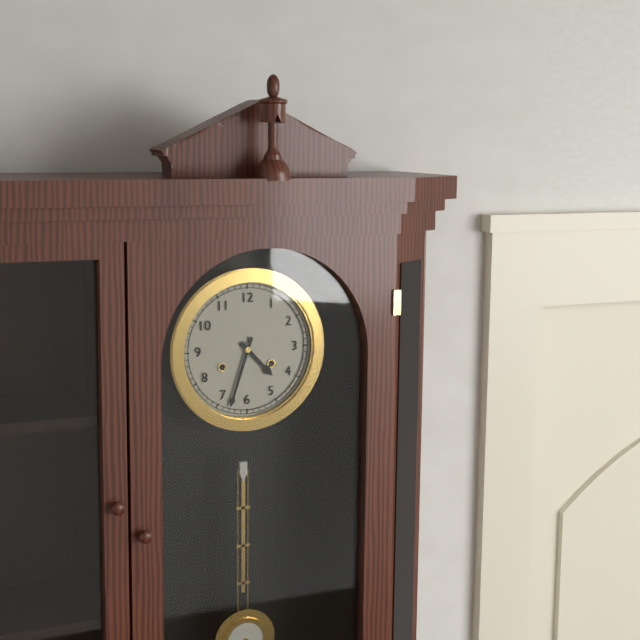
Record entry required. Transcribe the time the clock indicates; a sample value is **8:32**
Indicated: **4:33**
